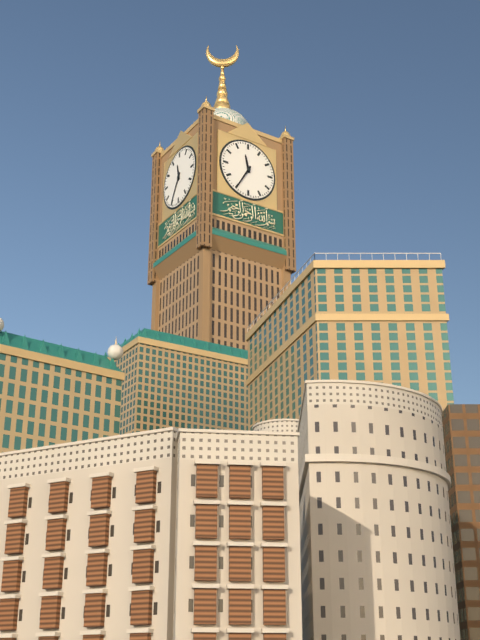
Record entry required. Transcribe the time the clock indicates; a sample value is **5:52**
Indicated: **11:35**
